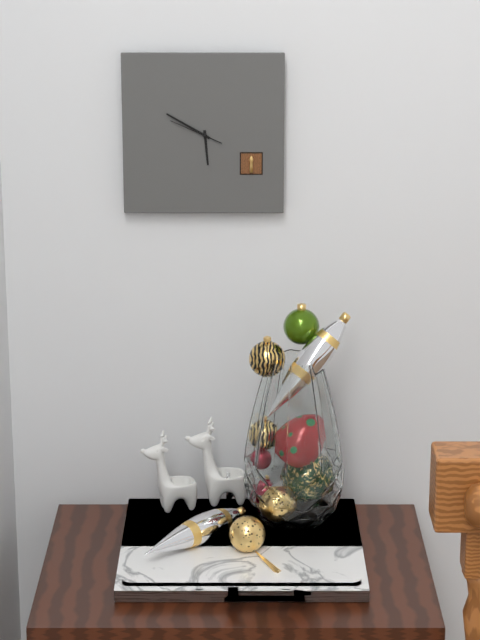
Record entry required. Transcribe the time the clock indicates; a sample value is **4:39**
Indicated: **5:50**
